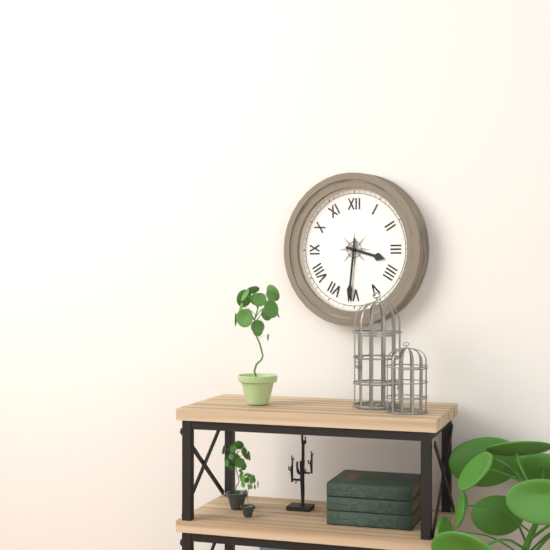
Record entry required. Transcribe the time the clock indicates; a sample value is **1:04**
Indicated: **3:31**
